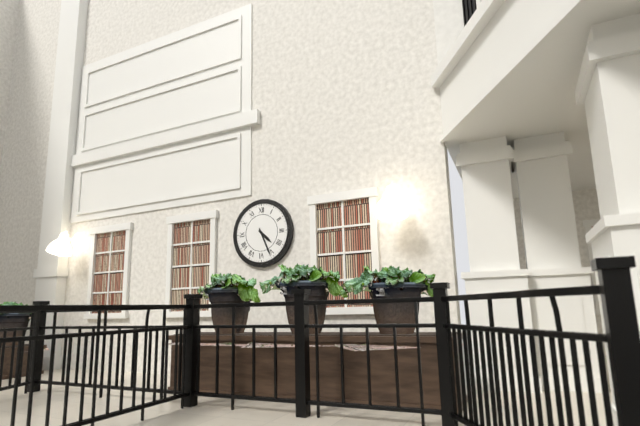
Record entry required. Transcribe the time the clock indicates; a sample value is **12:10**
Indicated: **4:26**
